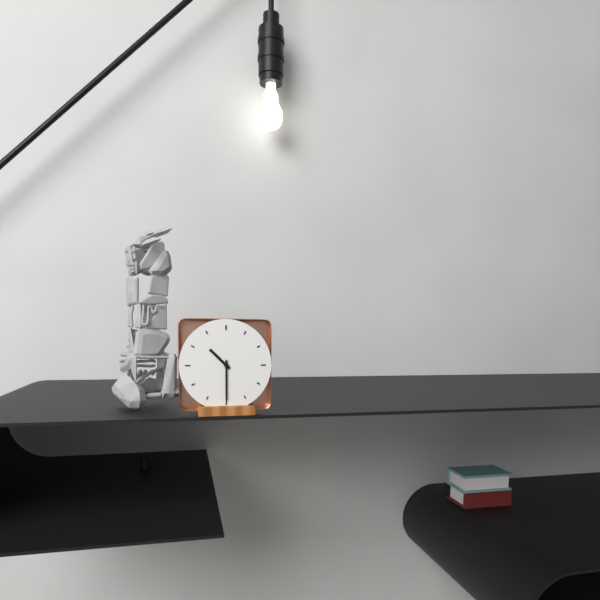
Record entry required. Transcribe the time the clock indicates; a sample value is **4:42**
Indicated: **10:30**
